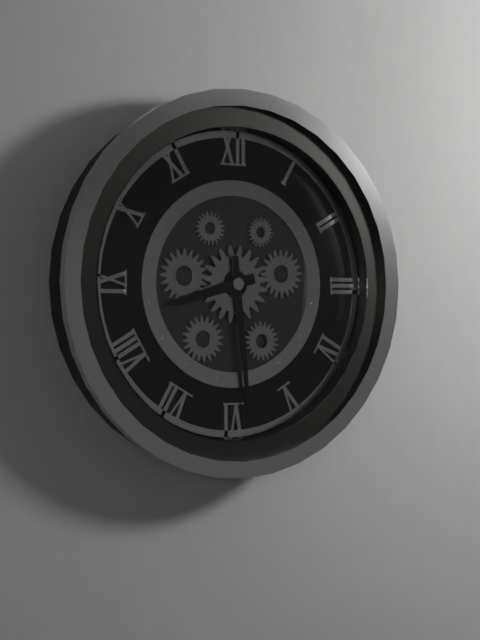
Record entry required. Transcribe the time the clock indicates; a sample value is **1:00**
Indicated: **8:29**
